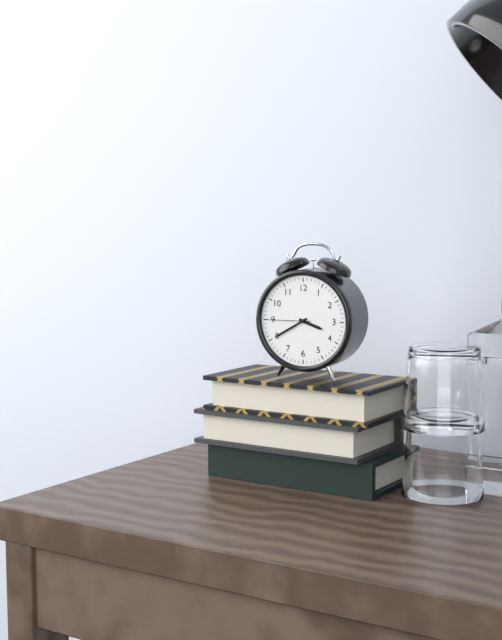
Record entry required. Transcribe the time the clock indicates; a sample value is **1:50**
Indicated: **3:40**
